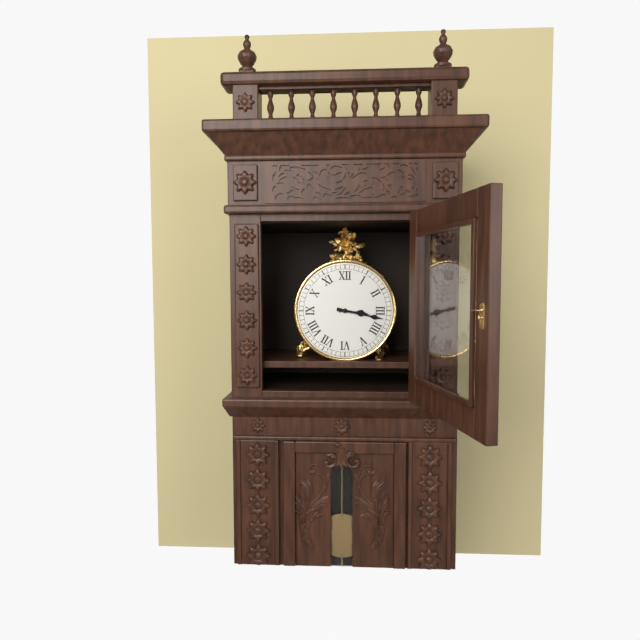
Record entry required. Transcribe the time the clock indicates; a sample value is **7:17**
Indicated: **3:17**
